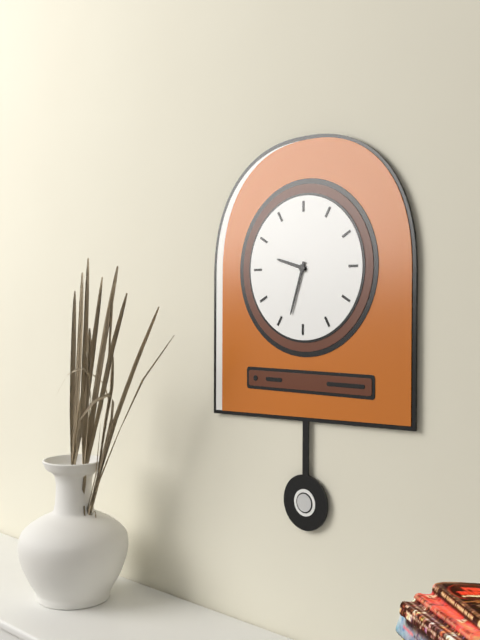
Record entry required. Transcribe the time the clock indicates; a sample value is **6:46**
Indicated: **9:33**
